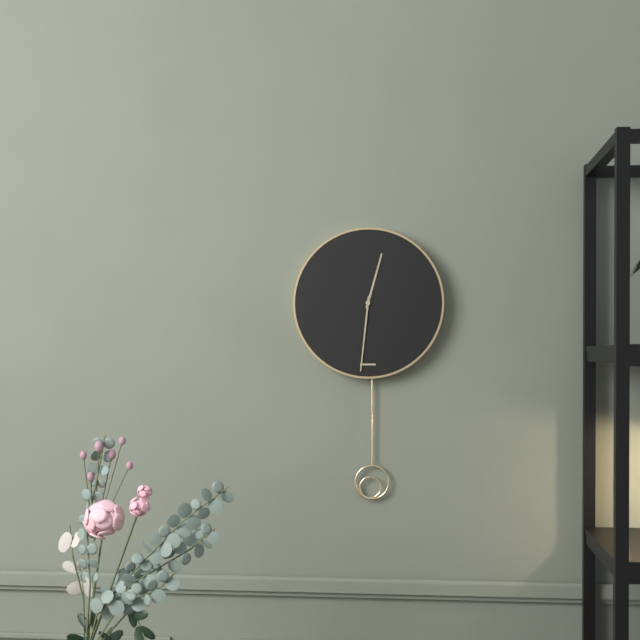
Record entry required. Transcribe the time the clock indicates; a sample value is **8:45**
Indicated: **12:31**
